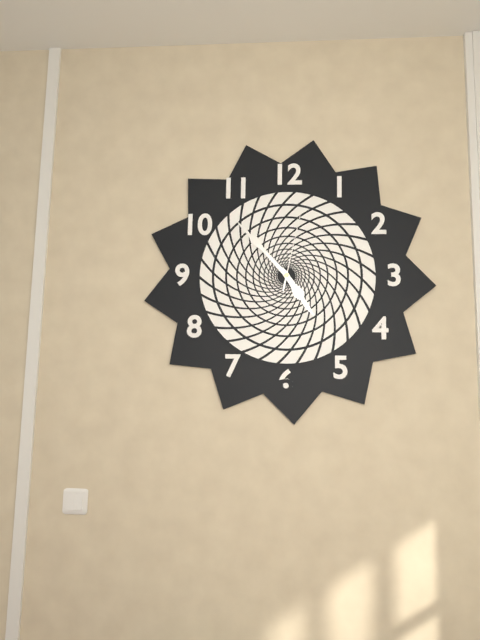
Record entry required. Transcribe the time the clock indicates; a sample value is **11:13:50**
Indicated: **4:53:02**
